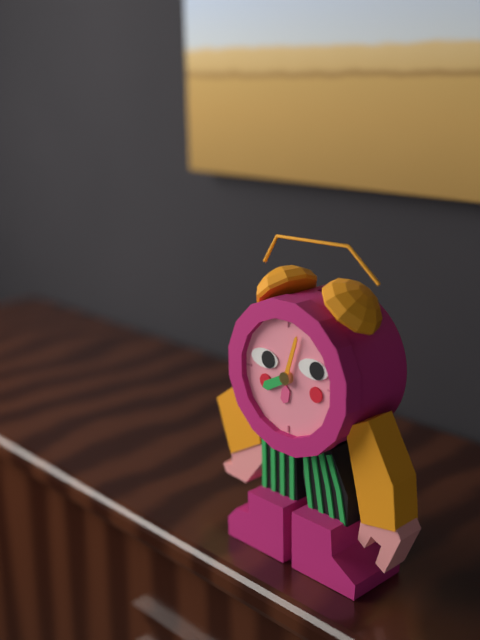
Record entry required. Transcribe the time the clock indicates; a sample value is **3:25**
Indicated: **8:03**
